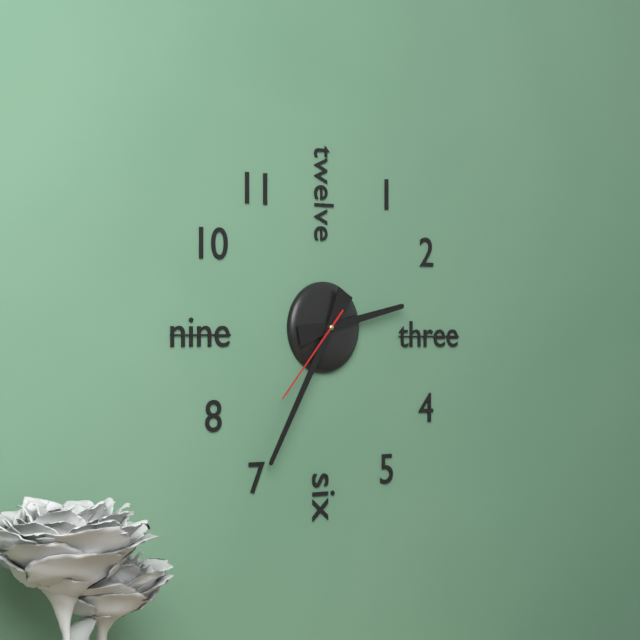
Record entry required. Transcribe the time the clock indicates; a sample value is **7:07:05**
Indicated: **2:35:37**
